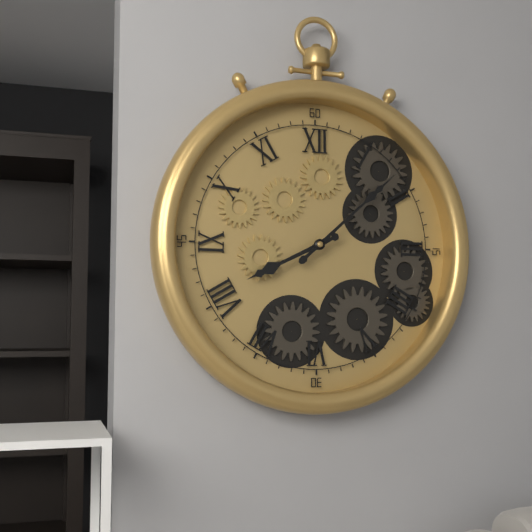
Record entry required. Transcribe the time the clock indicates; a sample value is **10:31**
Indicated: **8:08**
